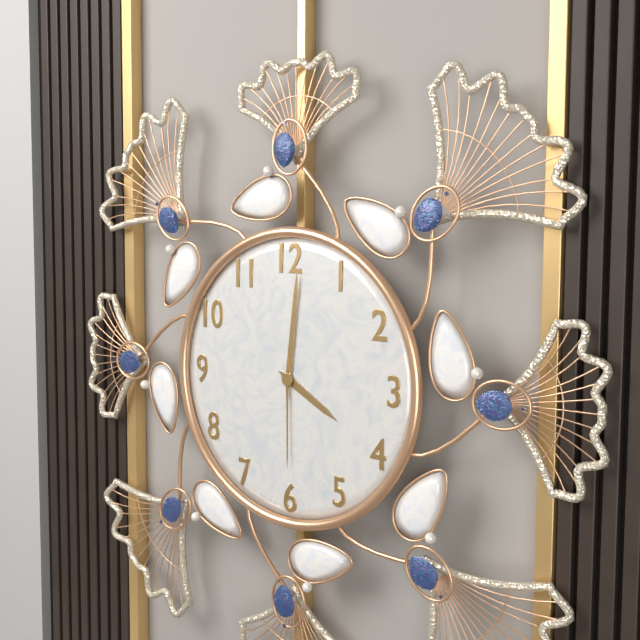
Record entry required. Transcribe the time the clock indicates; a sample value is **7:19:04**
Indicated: **4:01:30**
